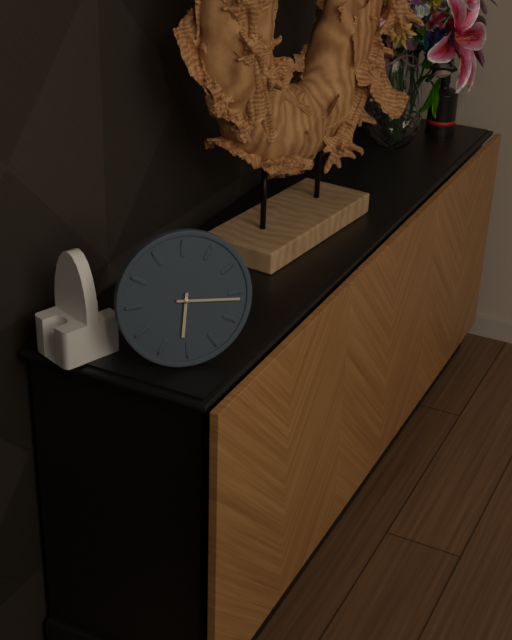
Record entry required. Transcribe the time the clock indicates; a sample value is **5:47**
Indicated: **6:16**
